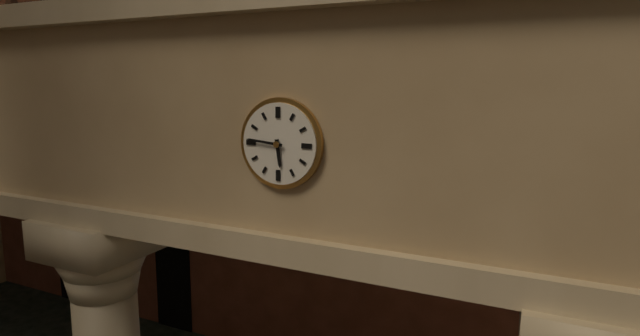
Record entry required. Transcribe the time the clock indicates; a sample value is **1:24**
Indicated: **5:46**
